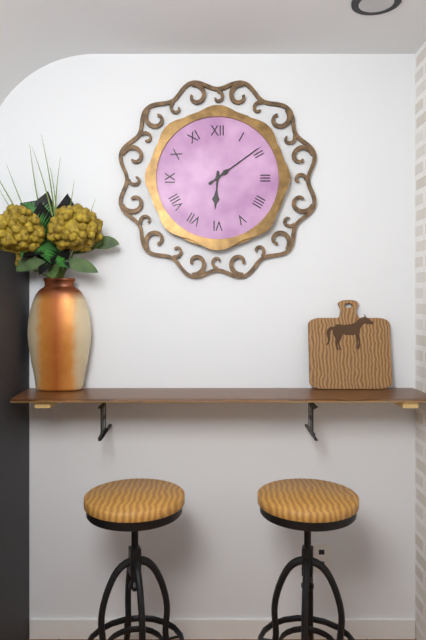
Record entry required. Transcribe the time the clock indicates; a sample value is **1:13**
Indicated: **6:09**
